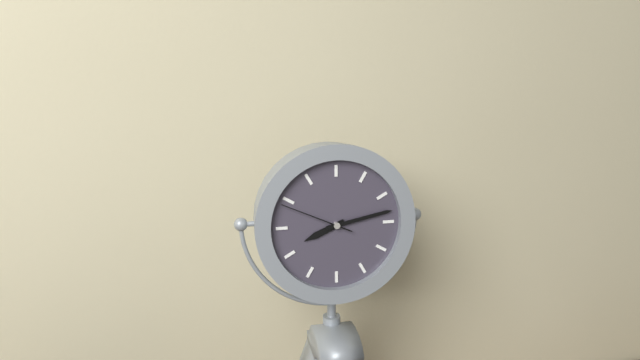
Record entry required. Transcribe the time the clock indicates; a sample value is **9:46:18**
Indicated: **8:13:49**
